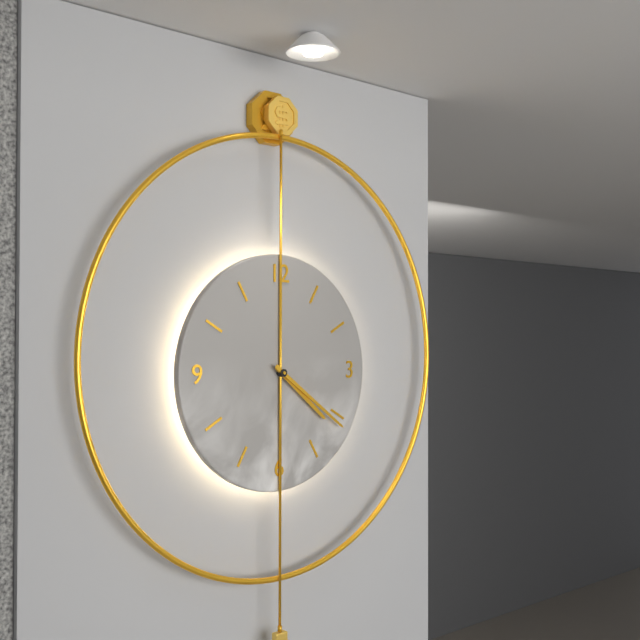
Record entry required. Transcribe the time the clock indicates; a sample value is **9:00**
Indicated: **4:21**
